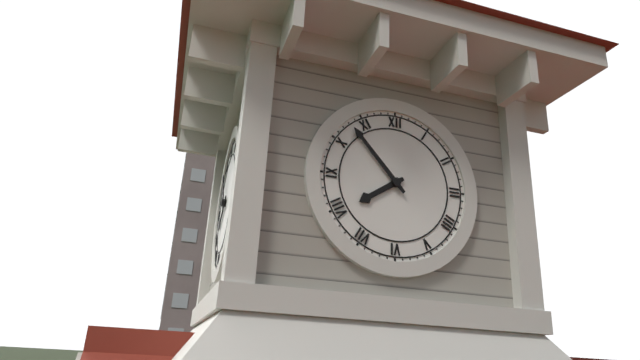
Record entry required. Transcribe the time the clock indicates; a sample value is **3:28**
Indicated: **7:53**
